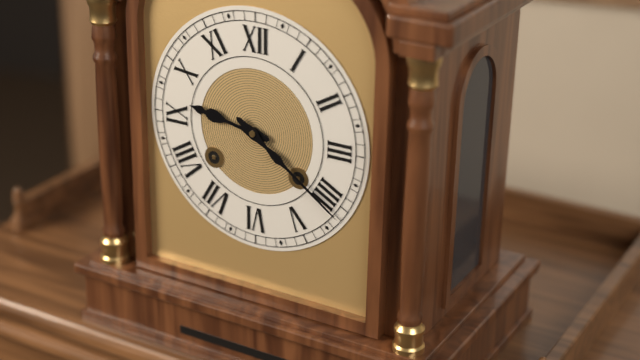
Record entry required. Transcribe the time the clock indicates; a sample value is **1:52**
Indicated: **9:21**
